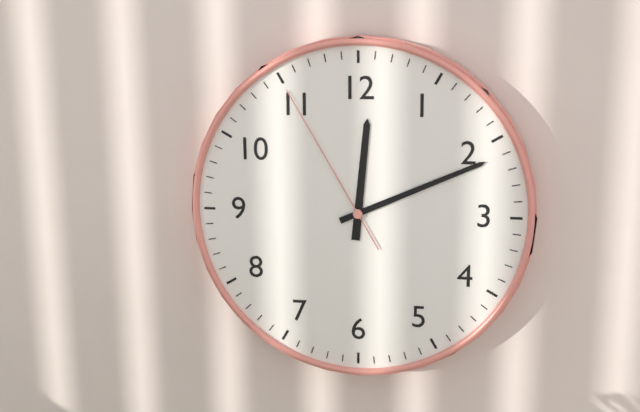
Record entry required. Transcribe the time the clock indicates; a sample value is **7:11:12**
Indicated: **12:11:55**
